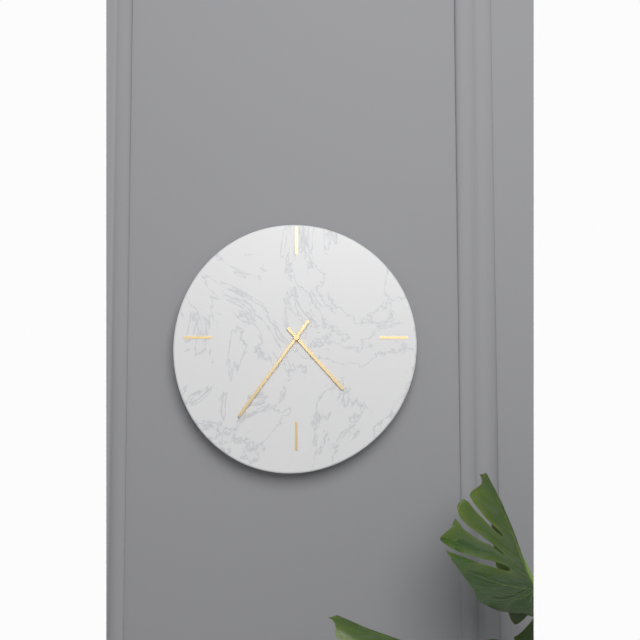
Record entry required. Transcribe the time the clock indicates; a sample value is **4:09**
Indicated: **4:36**
